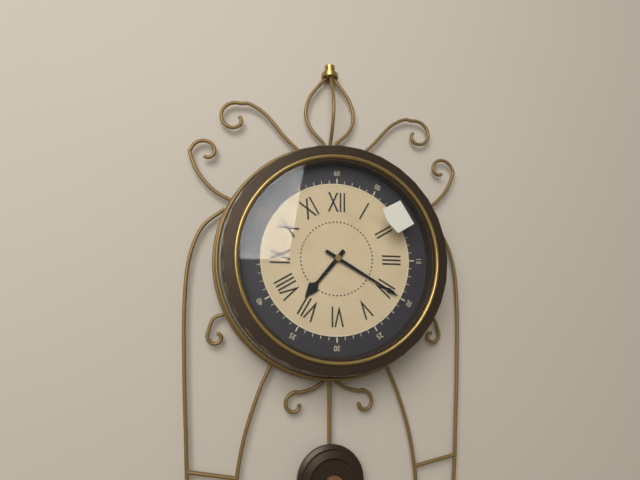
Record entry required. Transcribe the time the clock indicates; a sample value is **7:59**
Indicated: **7:20**
